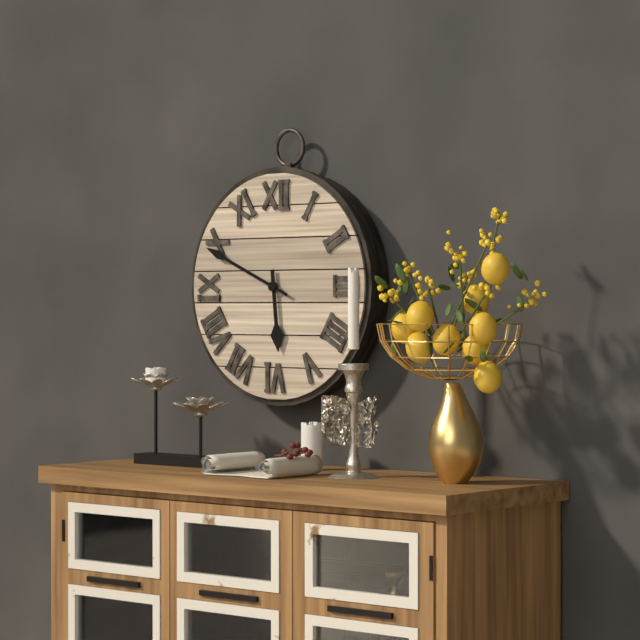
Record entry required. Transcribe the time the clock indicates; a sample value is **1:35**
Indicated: **5:49**
